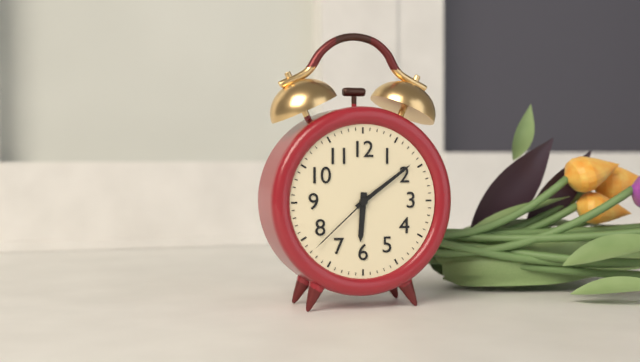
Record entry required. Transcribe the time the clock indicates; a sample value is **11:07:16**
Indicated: **6:09:38**
